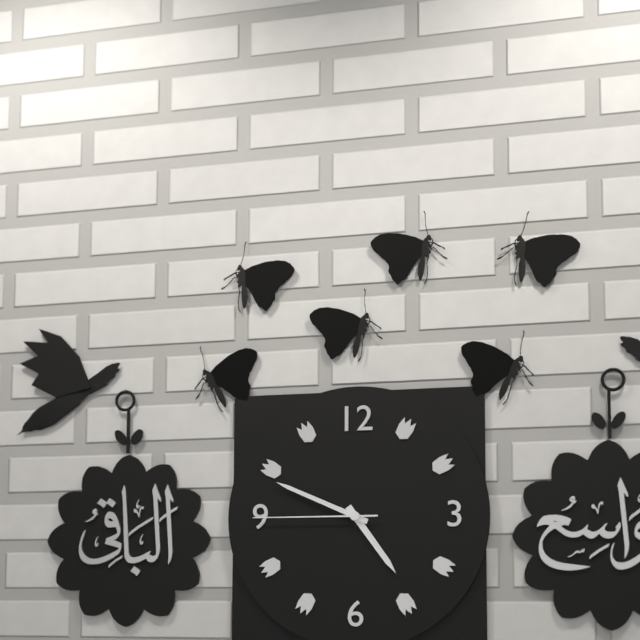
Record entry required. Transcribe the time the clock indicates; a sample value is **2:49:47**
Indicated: **4:49:45**
